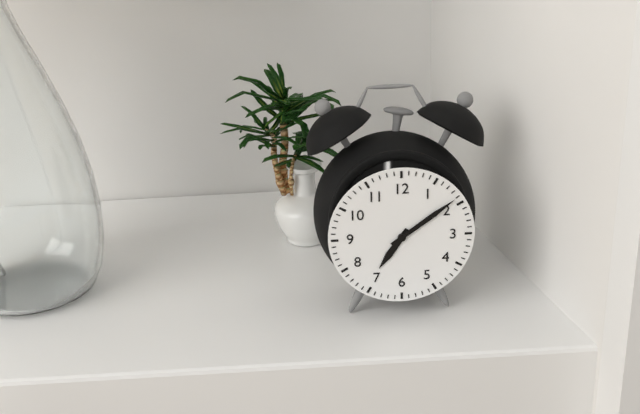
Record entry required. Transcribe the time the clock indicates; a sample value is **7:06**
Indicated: **7:09**
